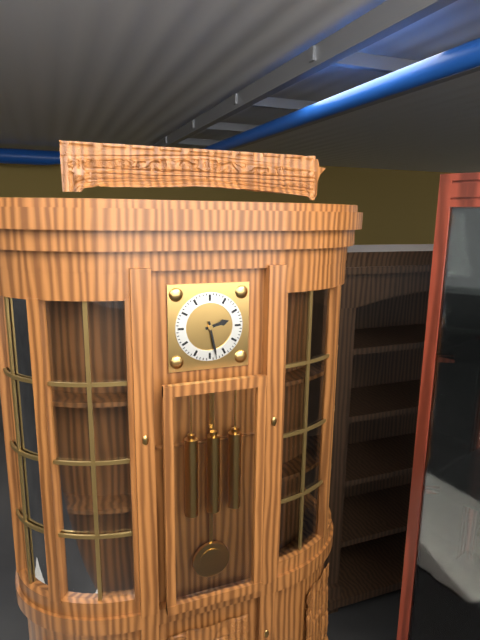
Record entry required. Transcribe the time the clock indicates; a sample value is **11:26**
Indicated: **2:28**
